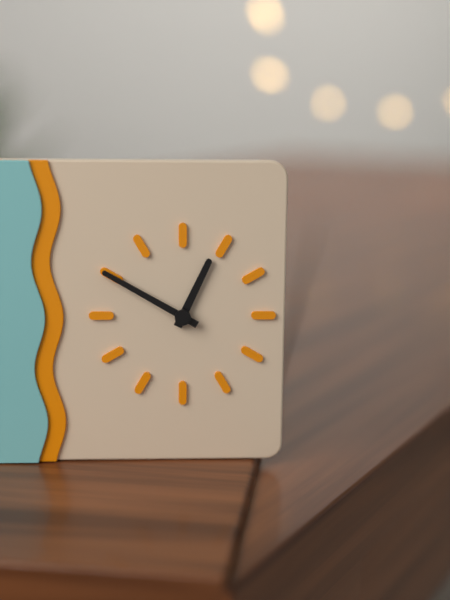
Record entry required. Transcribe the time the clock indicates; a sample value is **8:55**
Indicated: **12:50**
